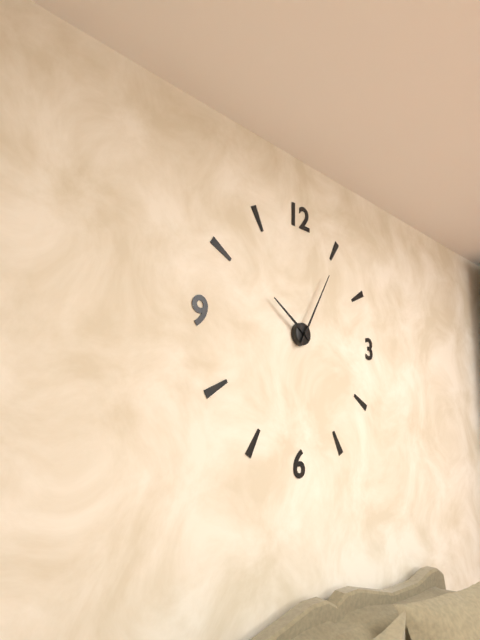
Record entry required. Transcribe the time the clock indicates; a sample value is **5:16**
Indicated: **10:05**
